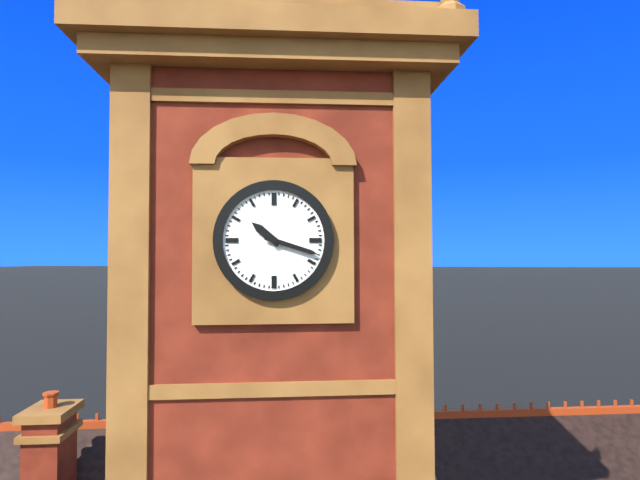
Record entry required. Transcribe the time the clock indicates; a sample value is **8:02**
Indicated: **10:18**
